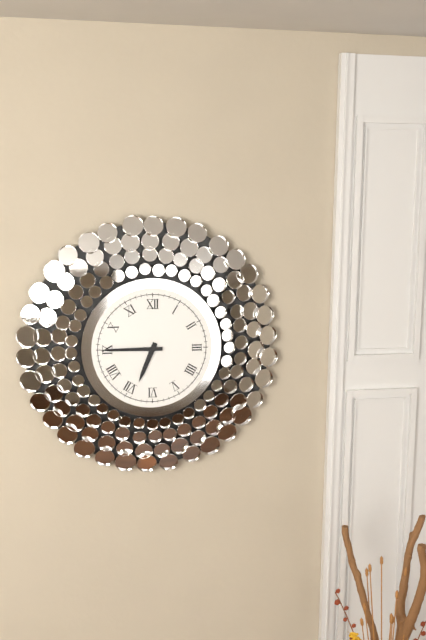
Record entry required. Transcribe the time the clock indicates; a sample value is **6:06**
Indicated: **6:45**
